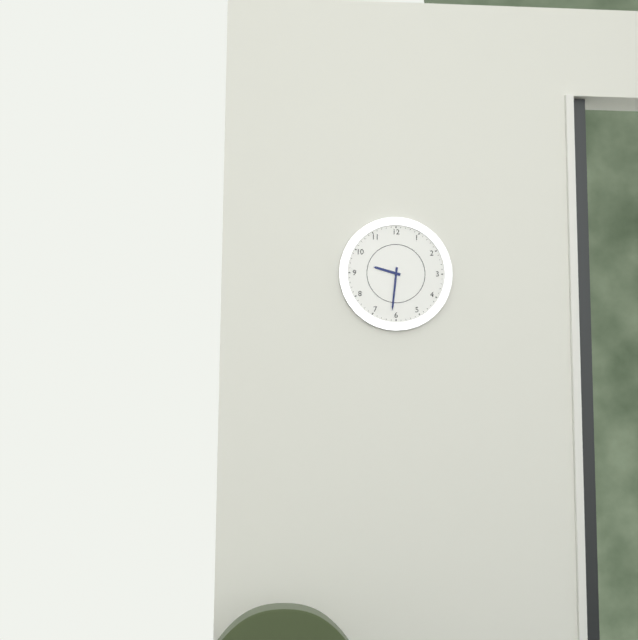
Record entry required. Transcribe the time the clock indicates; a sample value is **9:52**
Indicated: **9:31**
